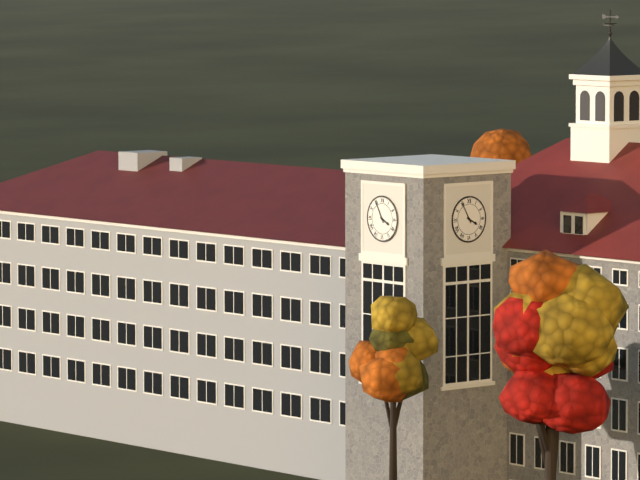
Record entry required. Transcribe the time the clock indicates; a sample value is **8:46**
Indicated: **3:55**
